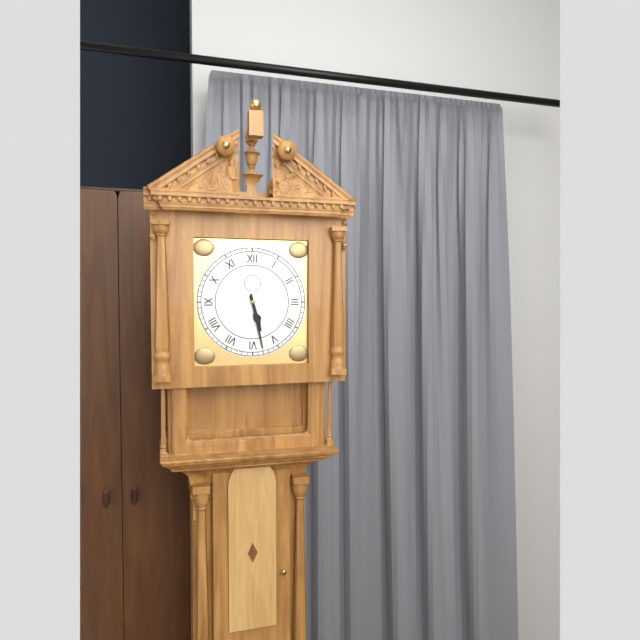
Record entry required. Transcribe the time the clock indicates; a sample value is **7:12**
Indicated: **5:28**
